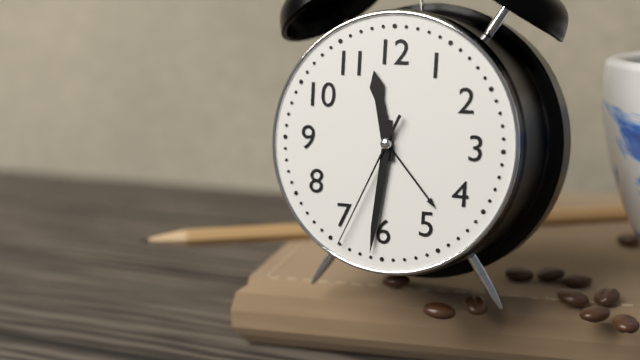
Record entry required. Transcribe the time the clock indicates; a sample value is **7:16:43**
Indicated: **11:31:34**
